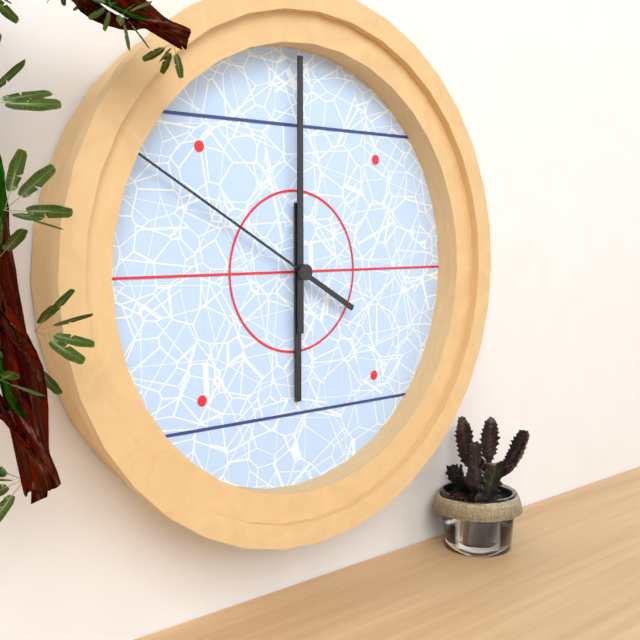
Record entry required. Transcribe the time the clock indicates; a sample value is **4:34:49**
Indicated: **6:00:50**
